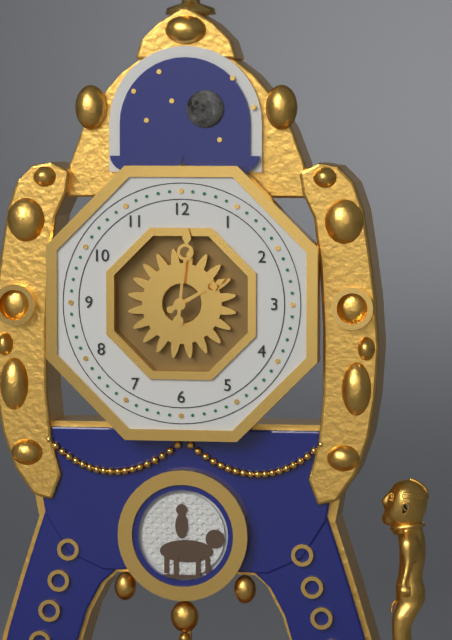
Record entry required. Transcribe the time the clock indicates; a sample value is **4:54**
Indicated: **2:01**
